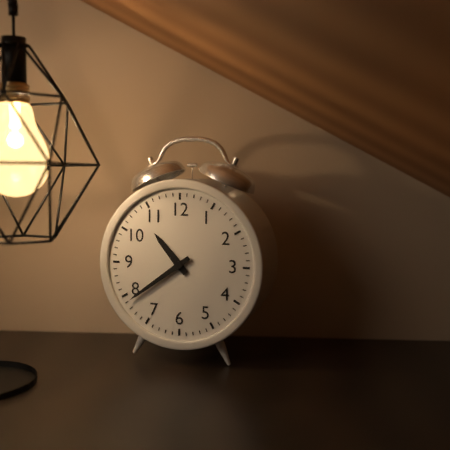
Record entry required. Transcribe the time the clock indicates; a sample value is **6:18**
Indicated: **10:39**
